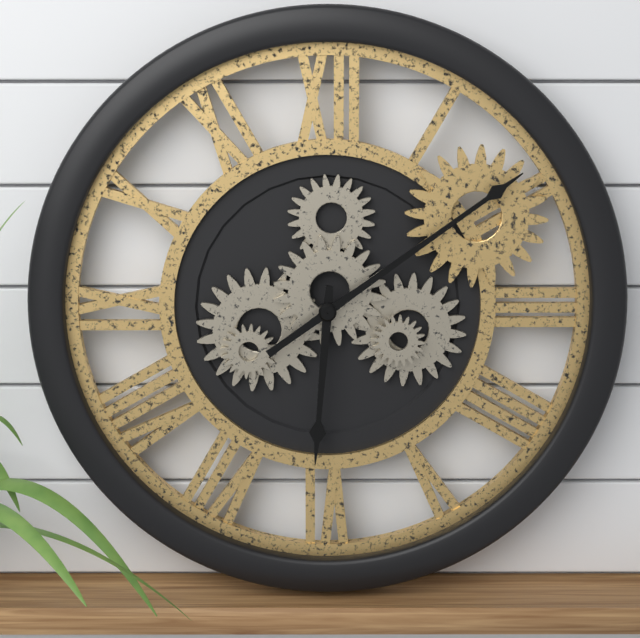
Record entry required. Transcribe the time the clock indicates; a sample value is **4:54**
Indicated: **6:09**
